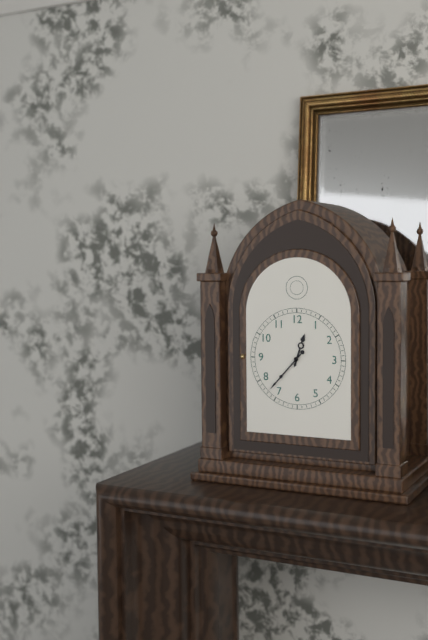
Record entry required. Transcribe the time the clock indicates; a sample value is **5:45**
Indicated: **12:37**
